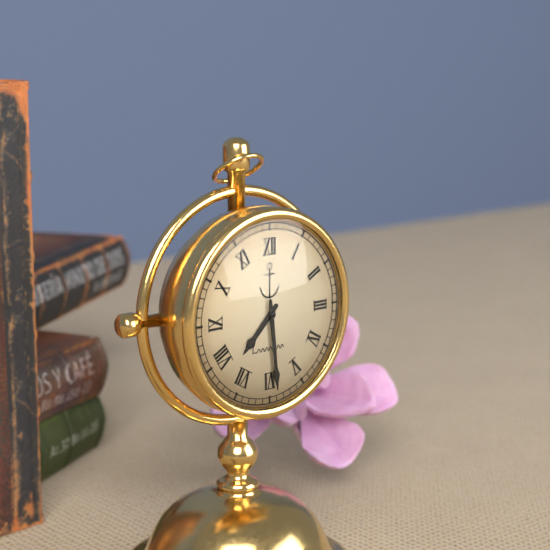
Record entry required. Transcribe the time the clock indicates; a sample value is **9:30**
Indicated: **7:29**
